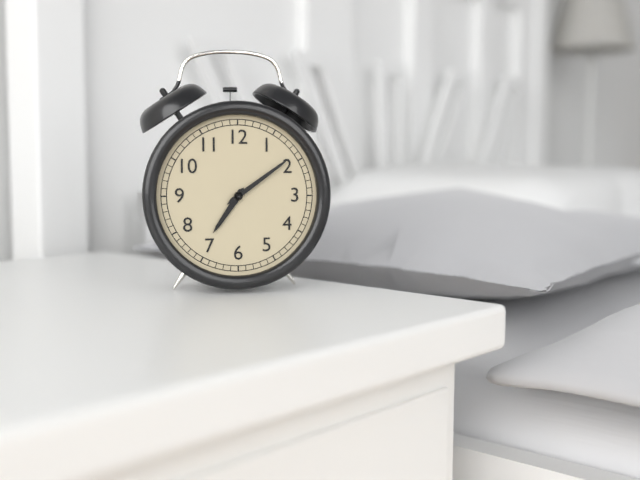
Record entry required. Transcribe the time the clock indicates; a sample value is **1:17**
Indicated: **7:09**
